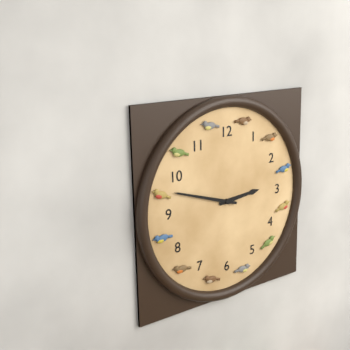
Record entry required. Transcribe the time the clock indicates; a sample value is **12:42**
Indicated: **2:48**
